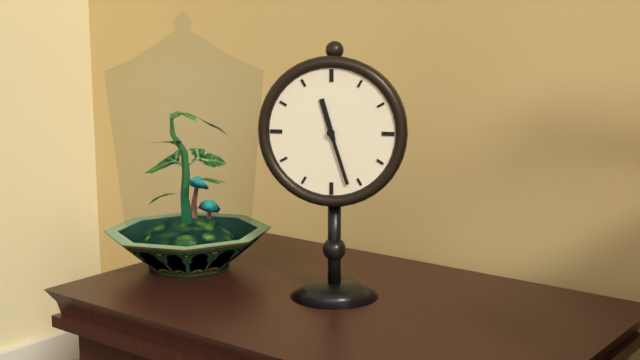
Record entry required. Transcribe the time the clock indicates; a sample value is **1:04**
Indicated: **11:27**
